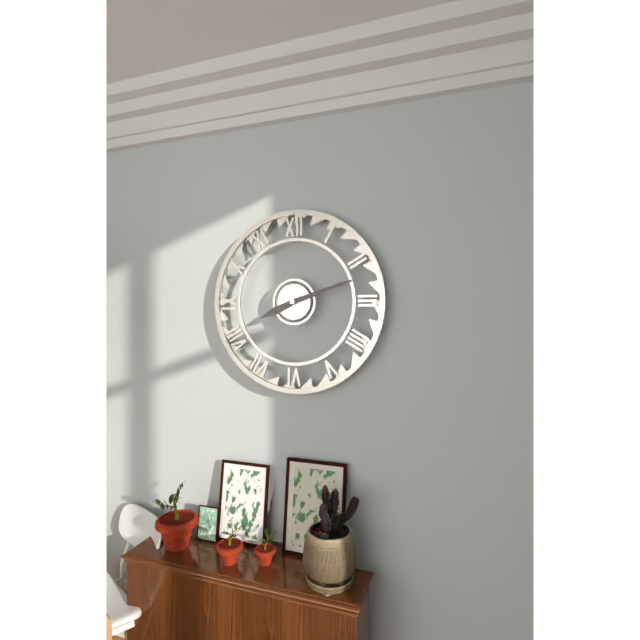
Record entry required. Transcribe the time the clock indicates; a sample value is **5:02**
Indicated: **8:12**
